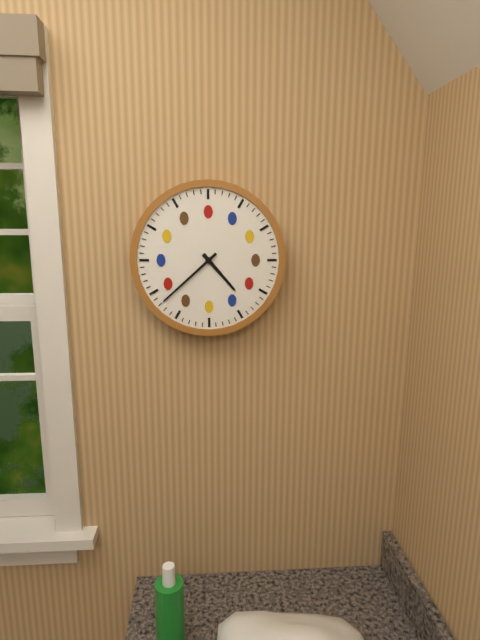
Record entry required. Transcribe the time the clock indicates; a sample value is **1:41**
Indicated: **4:38**
